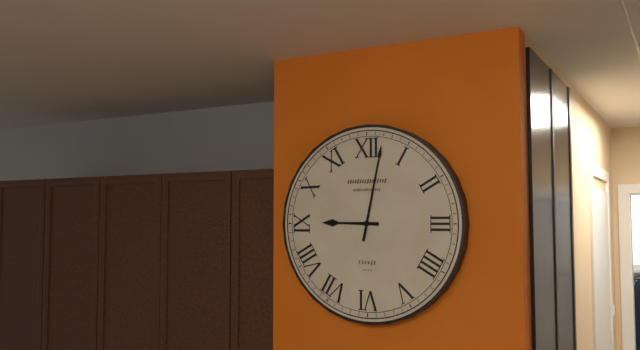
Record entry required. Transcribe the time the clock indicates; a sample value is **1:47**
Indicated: **9:02**
